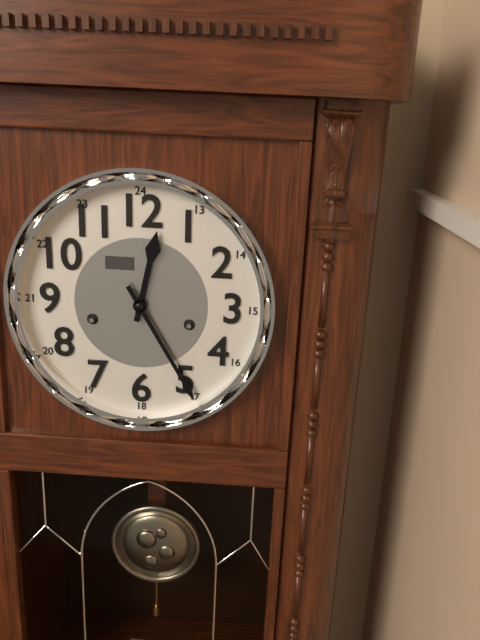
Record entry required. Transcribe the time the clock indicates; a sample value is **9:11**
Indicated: **12:25**
